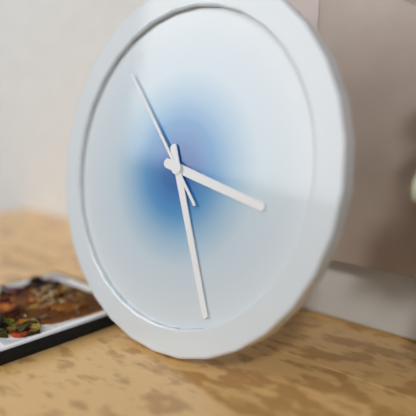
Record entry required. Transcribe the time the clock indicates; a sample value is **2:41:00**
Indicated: **3:26:53**
